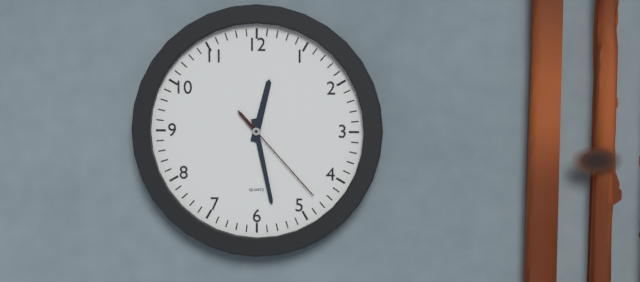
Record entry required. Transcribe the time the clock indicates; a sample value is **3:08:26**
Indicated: **12:28:23**
